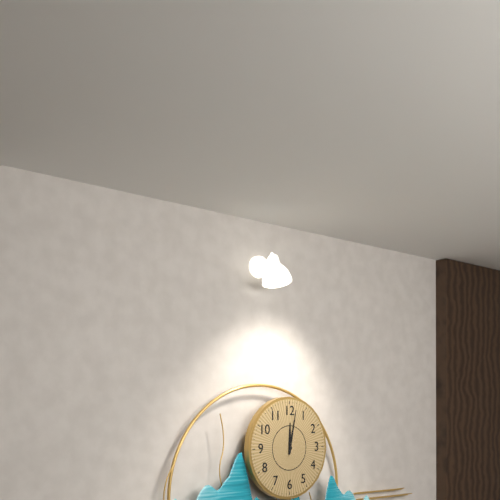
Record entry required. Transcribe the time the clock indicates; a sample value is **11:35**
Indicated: **12:02**
